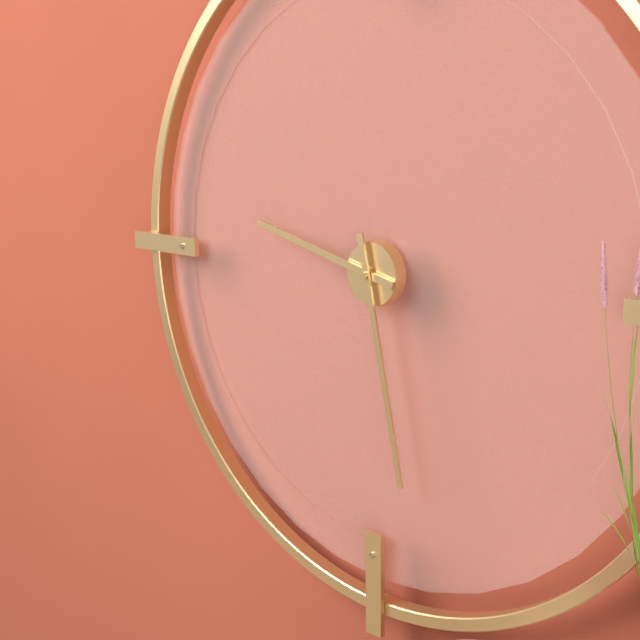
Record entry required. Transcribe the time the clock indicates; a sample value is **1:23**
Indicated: **9:28**
